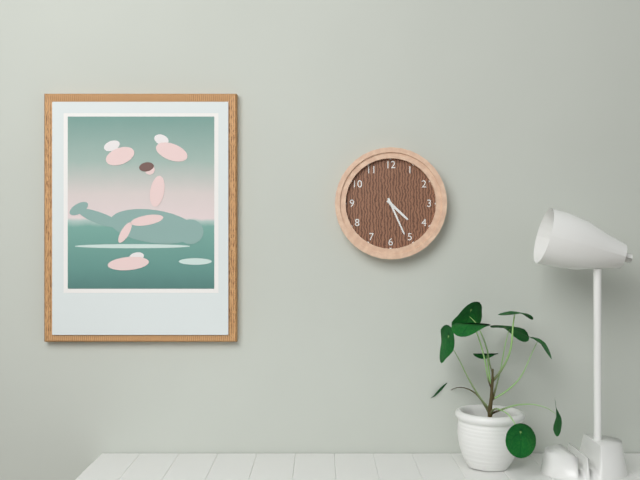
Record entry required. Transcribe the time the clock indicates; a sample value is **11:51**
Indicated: **4:26**
